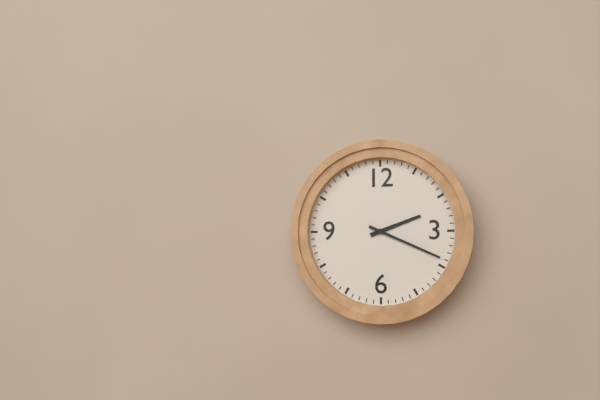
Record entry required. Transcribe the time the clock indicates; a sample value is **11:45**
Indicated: **2:19**
